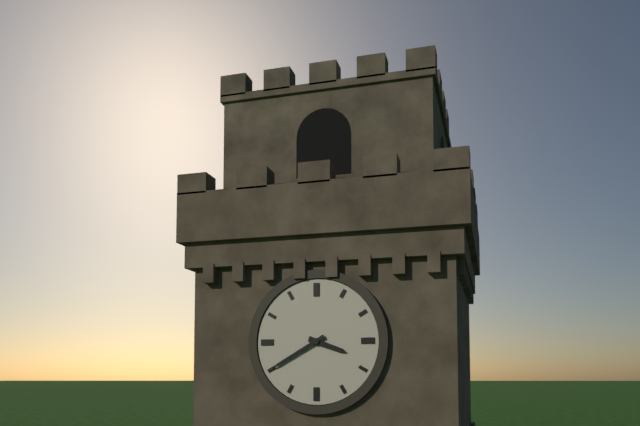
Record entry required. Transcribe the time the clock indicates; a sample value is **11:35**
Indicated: **3:40**
